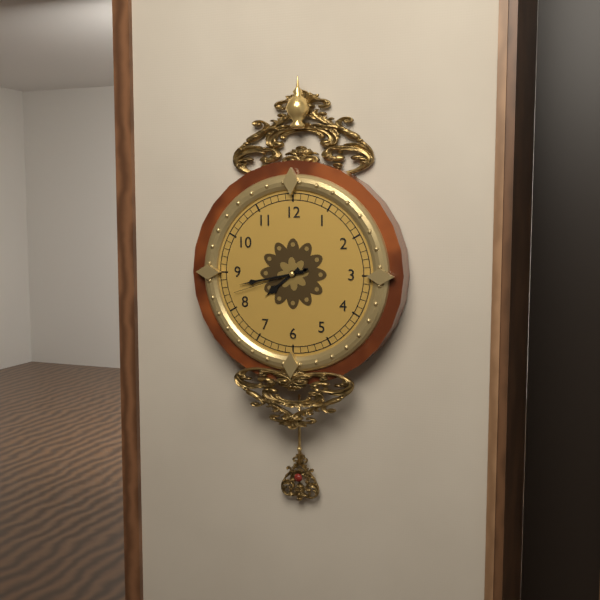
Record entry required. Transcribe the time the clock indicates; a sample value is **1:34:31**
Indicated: **7:43:42**
